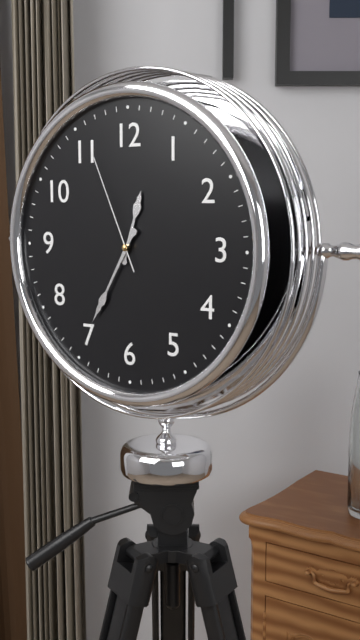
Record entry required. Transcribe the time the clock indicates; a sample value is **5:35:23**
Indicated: **12:35:56**
